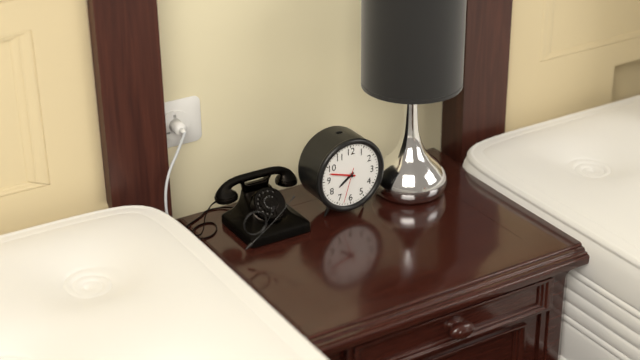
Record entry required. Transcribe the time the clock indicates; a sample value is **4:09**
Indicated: **7:48**
